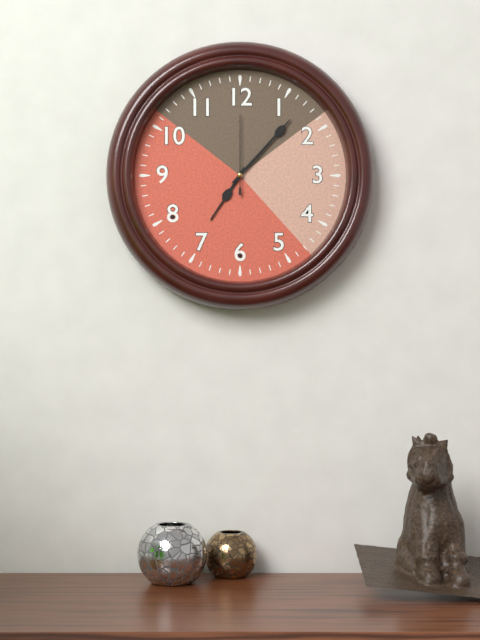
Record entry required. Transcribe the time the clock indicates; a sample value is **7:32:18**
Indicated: **7:07:00**
